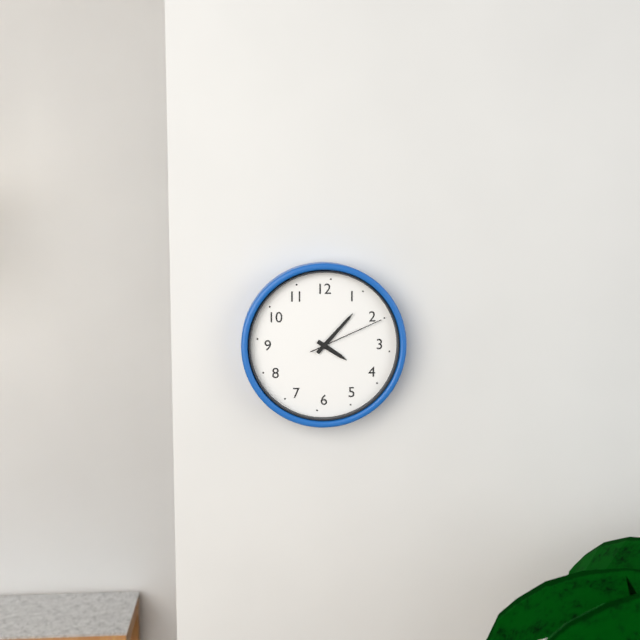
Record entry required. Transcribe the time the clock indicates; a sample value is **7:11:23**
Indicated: **4:07:11**
